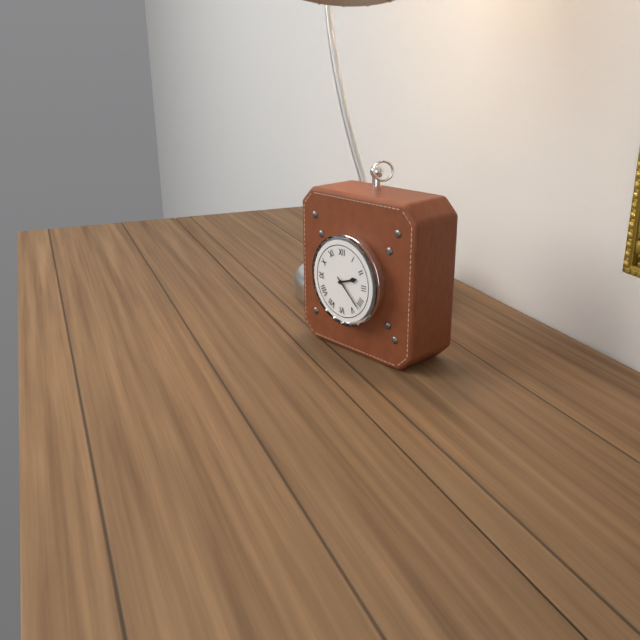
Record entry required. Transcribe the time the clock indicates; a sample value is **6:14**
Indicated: **2:22**
